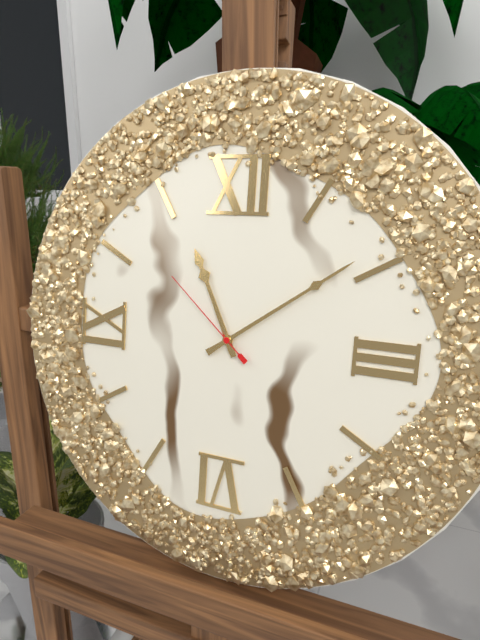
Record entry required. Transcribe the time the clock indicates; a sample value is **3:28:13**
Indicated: **11:09:52**
